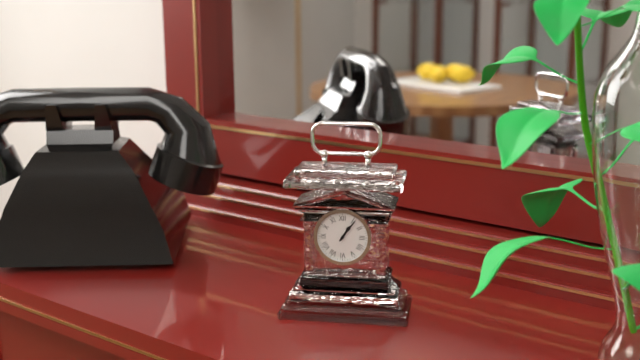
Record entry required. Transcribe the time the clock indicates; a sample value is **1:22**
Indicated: **1:06**
